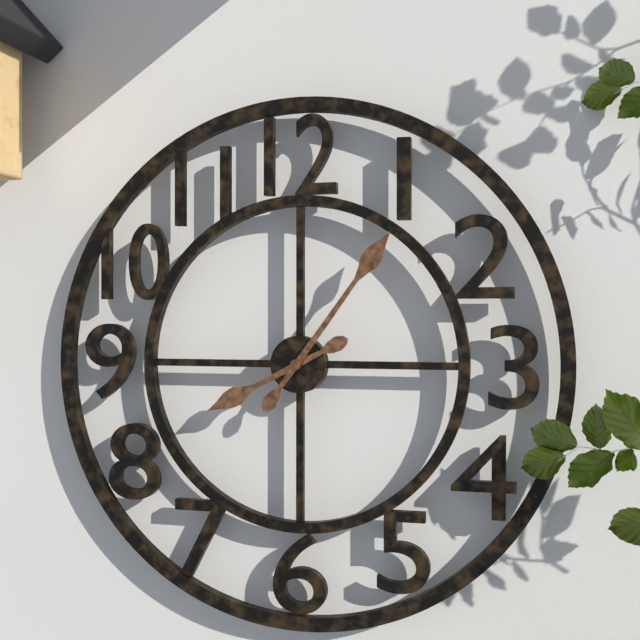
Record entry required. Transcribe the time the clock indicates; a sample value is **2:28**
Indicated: **8:06**
